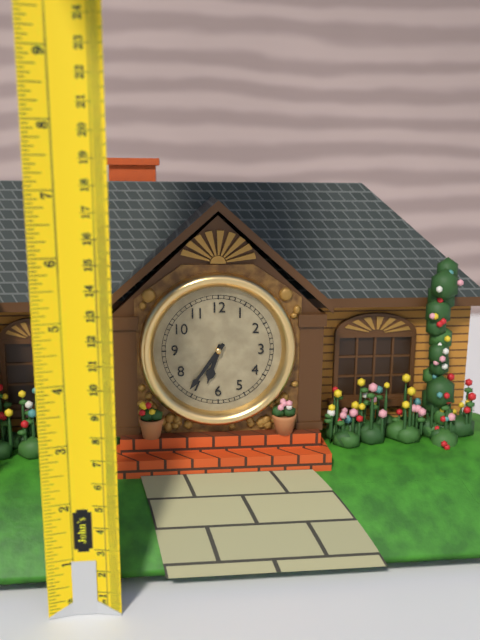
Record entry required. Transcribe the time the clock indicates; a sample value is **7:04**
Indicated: **6:36**
